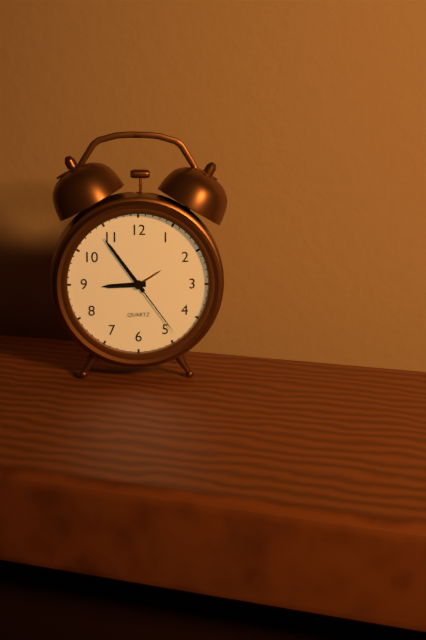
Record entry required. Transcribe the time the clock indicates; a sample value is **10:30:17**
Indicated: **8:54:24**
